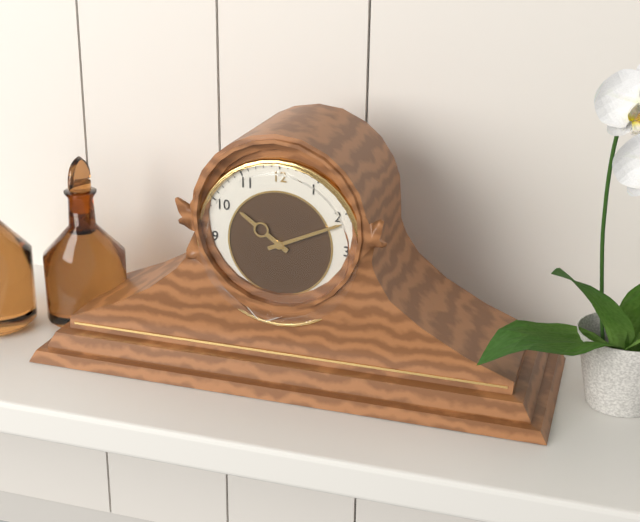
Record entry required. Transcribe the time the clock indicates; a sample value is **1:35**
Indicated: **10:11**
